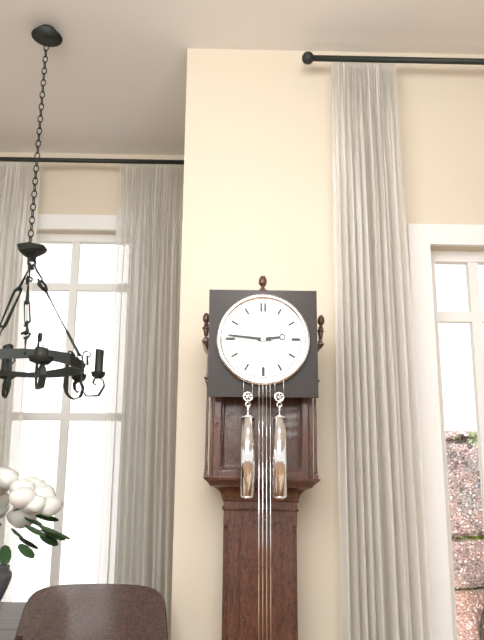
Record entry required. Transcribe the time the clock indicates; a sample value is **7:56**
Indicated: **2:46**
